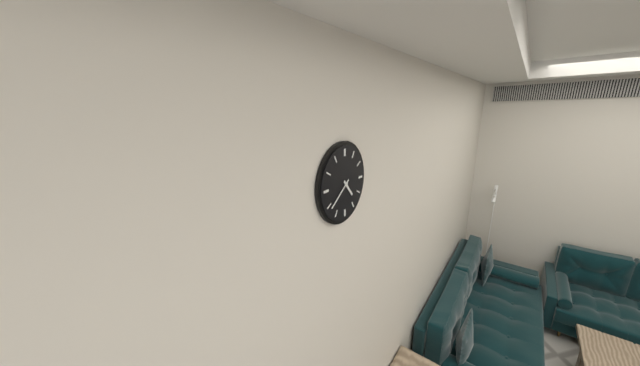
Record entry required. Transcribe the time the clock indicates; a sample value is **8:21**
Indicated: **4:39**
